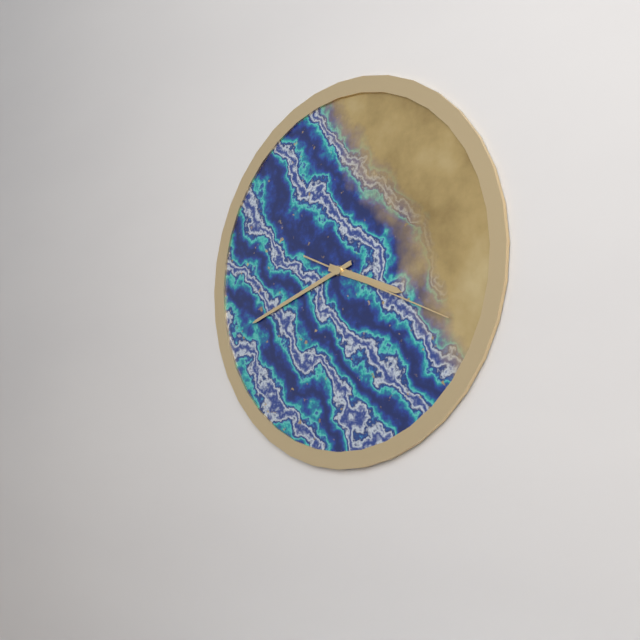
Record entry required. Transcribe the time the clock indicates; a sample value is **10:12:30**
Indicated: **3:42:19**
